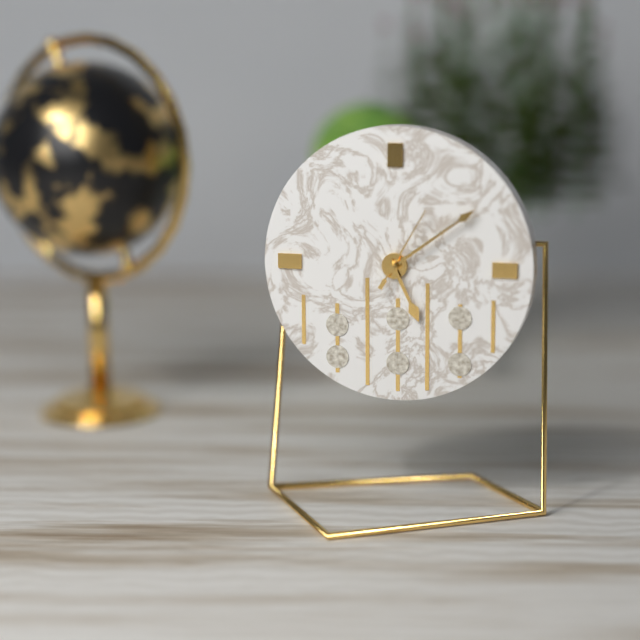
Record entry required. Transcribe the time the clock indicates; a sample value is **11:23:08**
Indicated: **5:09:05**
